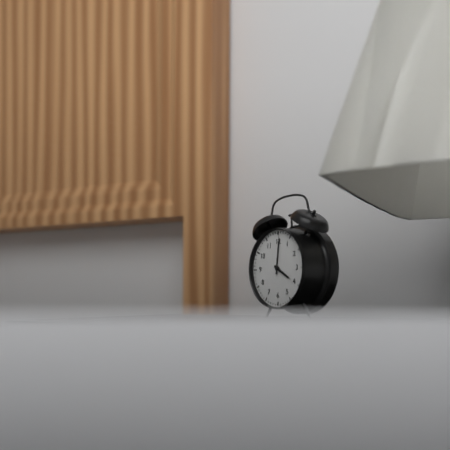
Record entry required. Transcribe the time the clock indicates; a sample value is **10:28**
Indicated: **4:01**
